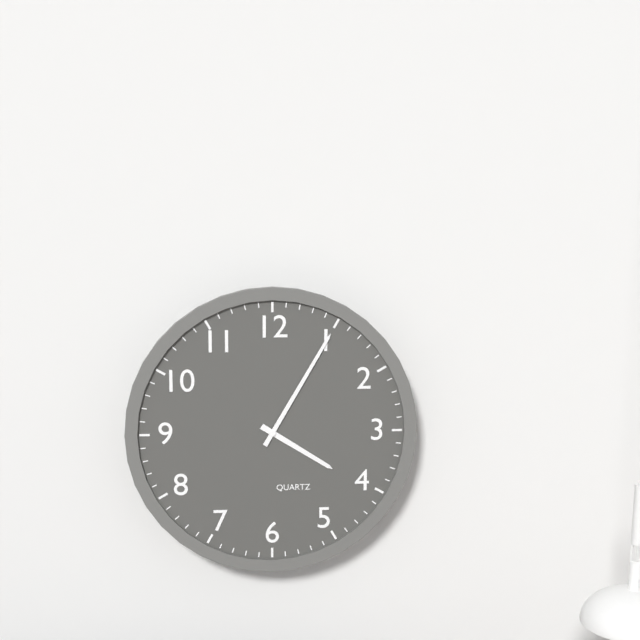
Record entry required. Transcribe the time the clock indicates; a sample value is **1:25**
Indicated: **4:05**
